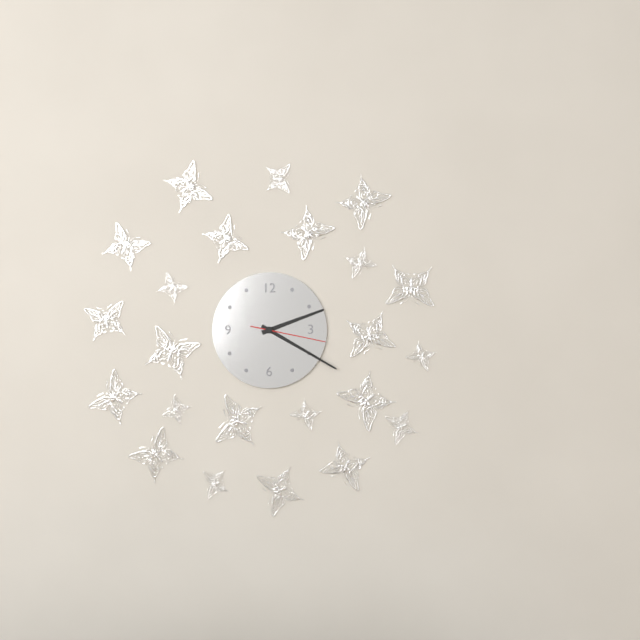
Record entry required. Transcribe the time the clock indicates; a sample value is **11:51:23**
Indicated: **2:20:17**
